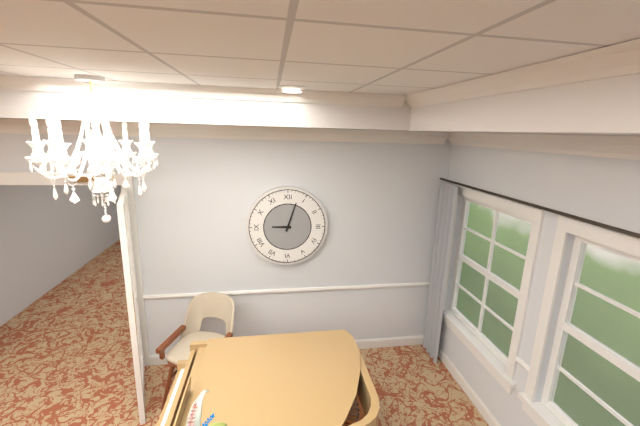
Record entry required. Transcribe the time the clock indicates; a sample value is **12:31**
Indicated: **9:03**
